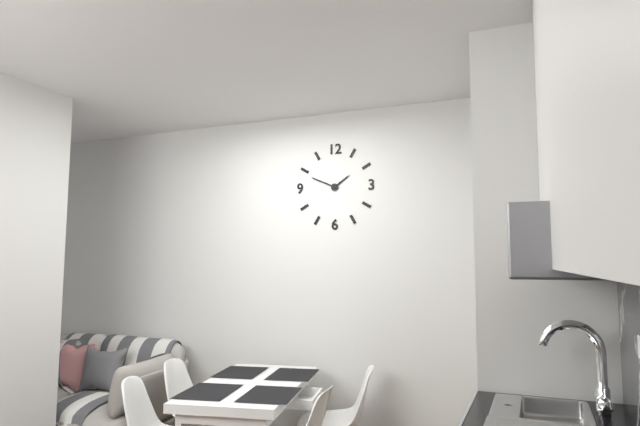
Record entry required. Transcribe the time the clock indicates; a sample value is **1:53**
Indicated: **1:49**
